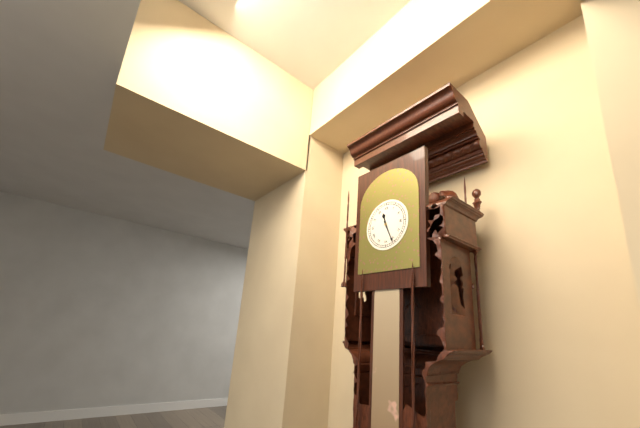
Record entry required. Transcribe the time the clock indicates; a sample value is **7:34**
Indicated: **11:26**
